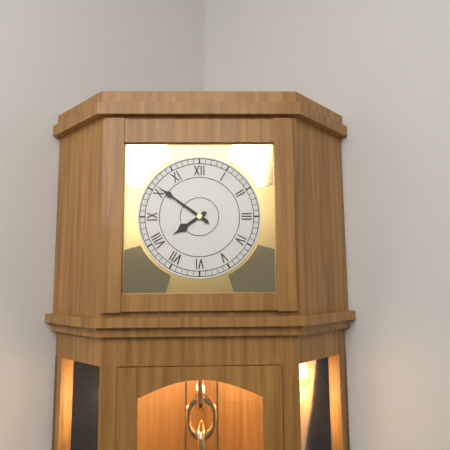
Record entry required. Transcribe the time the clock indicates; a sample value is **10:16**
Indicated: **7:51**
